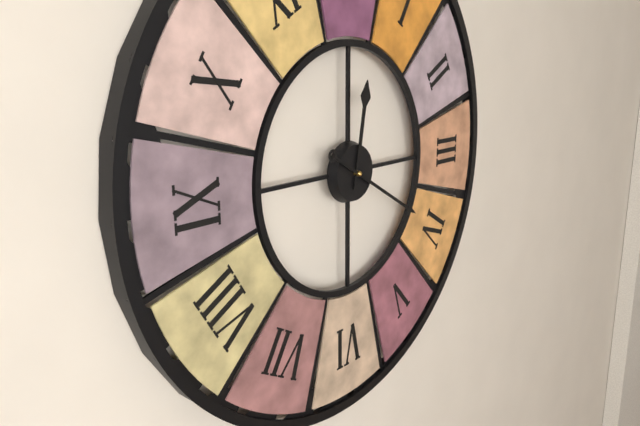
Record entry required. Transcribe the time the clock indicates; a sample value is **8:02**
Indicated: **12:20**
